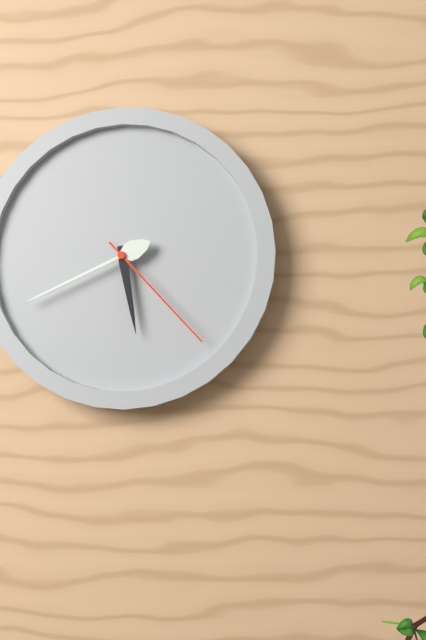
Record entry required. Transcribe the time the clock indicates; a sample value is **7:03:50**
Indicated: **5:41:23**
